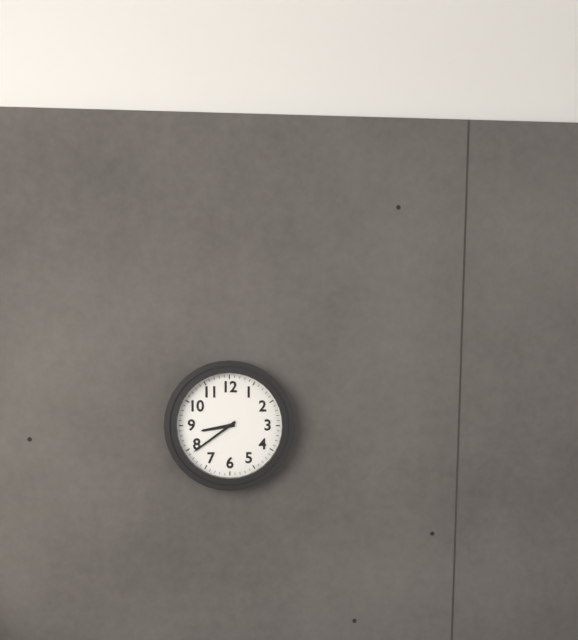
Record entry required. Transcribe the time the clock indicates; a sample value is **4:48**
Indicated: **8:39**
